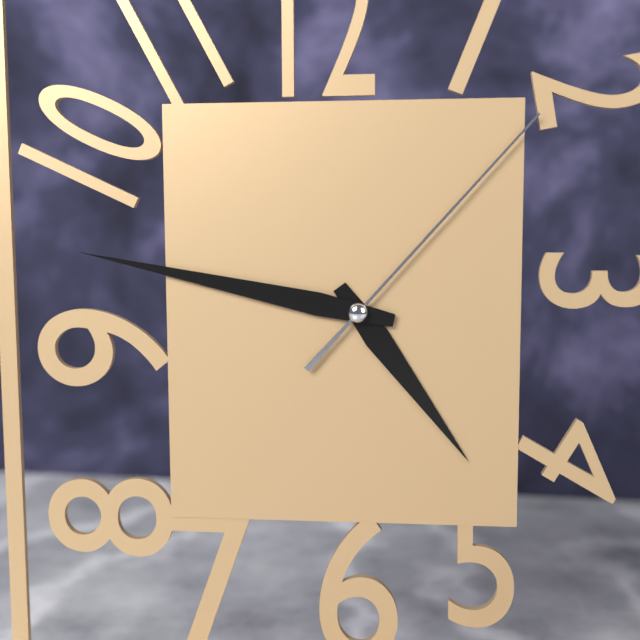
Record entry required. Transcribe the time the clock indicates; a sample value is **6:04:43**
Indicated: **4:47:07**
